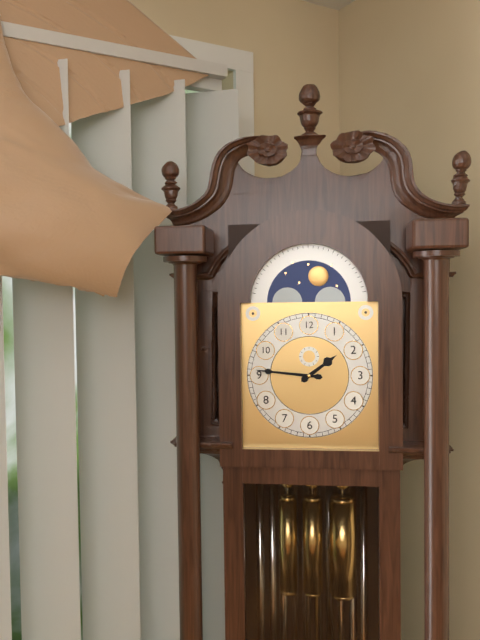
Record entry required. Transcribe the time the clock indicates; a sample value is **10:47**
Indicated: **1:46**
